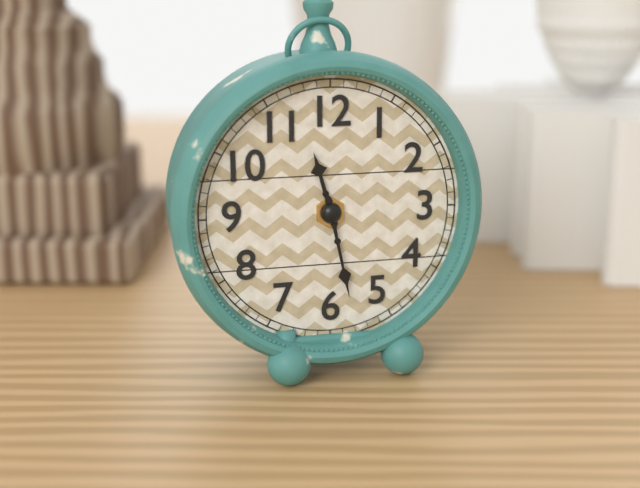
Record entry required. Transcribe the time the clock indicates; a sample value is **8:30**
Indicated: **11:28**
